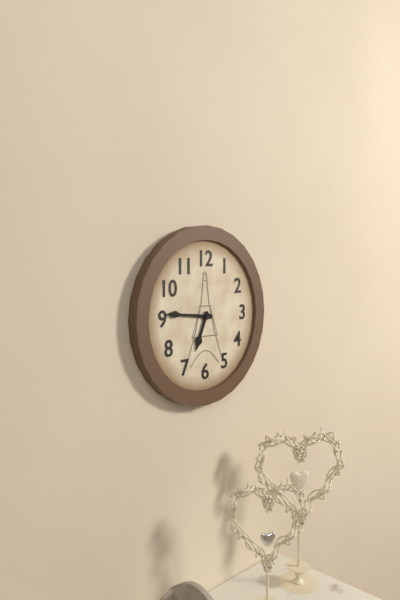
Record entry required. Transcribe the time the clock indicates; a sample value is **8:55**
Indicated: **6:46**
